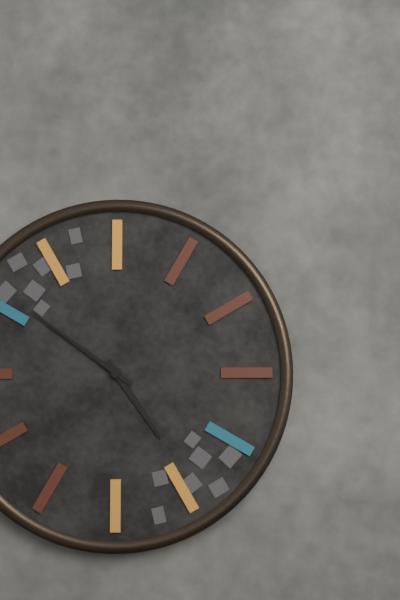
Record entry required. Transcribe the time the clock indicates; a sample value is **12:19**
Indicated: **4:51**
